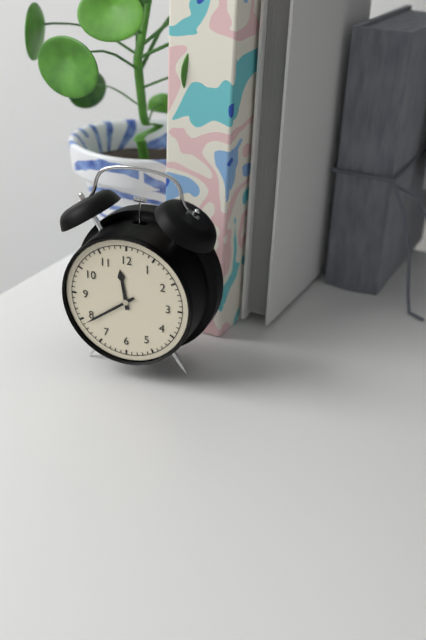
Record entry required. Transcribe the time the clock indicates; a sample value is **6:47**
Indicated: **11:39**
